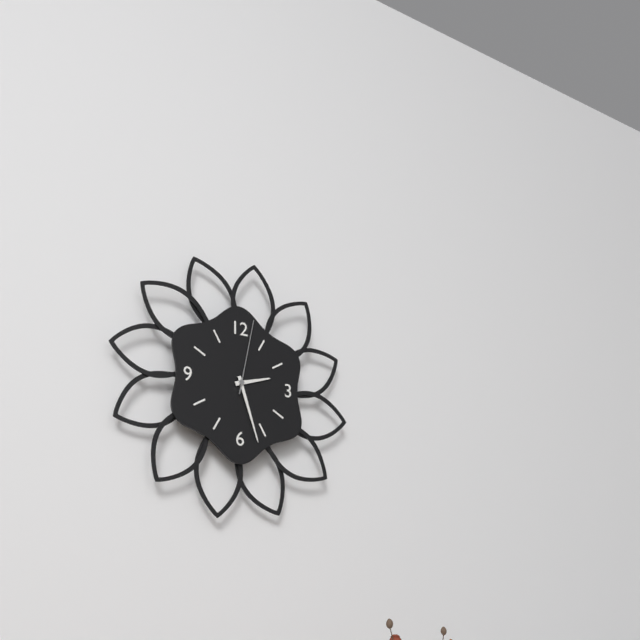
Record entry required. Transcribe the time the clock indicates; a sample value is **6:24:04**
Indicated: **2:27:02**
